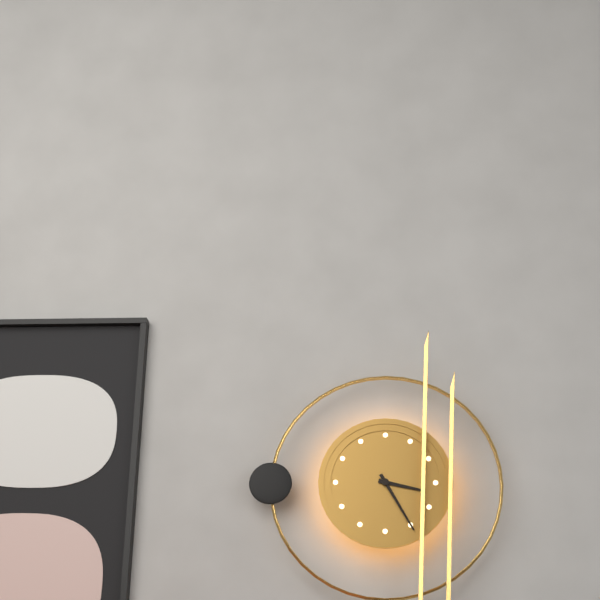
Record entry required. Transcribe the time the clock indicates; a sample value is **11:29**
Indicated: **3:25**
